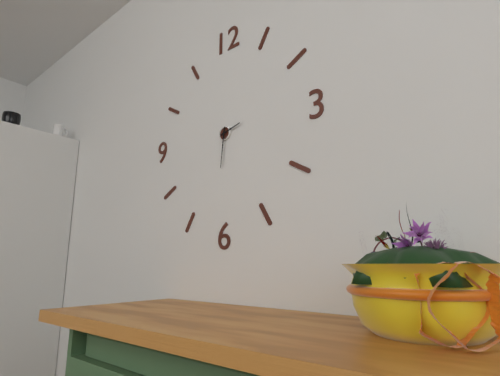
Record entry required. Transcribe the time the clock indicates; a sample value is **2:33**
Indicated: **2:31**
